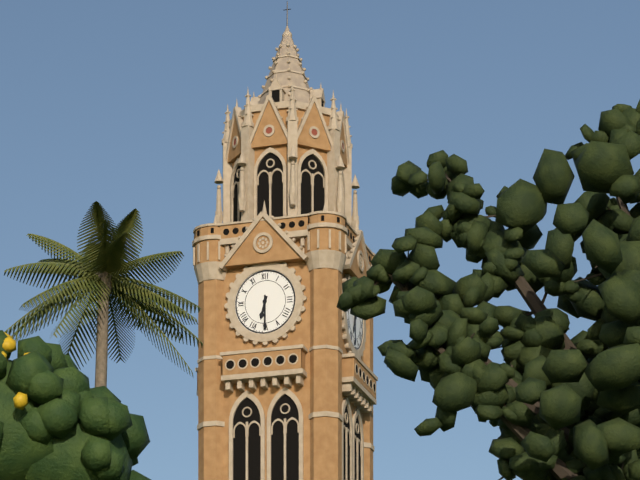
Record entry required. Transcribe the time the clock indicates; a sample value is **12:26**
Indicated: **6:30**
